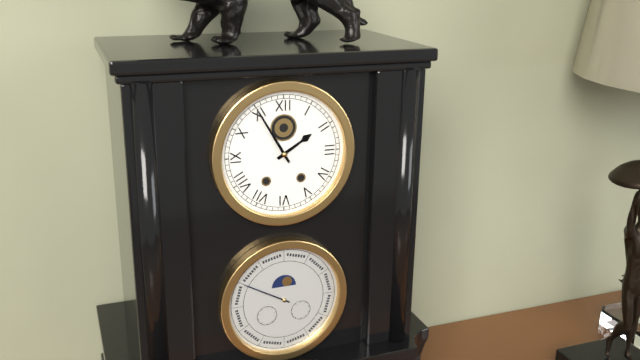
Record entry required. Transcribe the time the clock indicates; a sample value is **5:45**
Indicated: **1:55**
